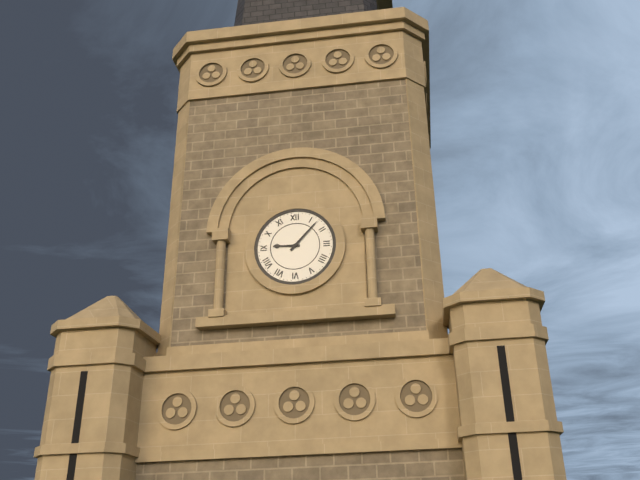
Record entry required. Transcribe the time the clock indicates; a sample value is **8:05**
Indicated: **9:07**
